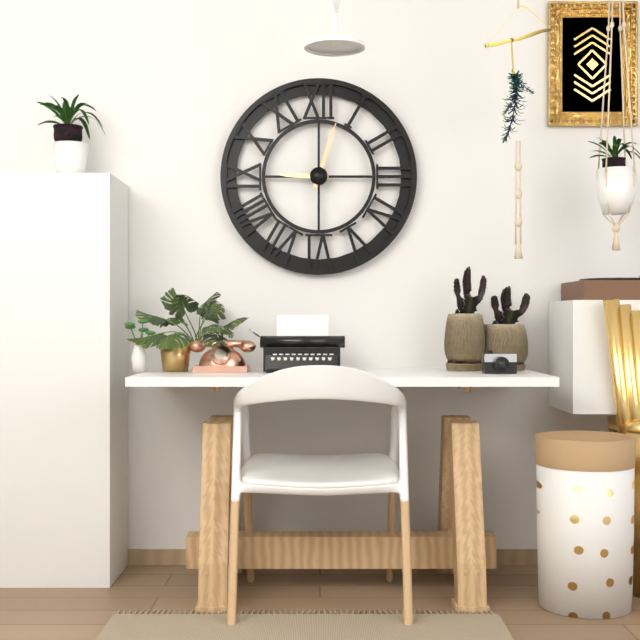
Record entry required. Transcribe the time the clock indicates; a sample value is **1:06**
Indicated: **9:03**
